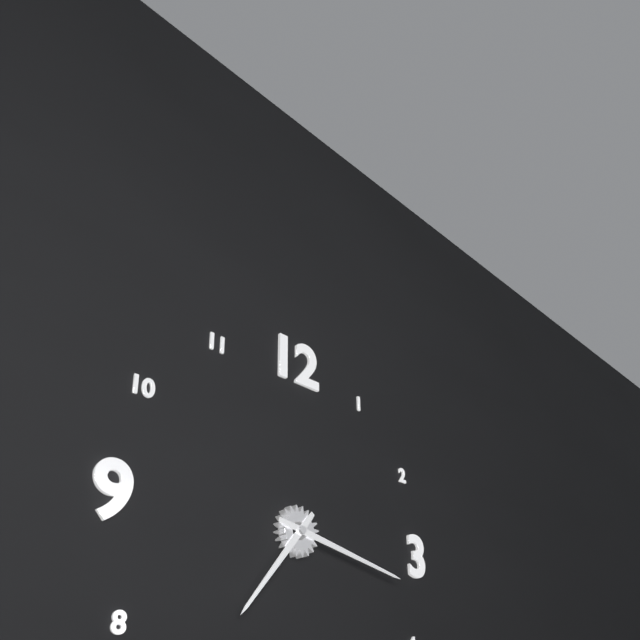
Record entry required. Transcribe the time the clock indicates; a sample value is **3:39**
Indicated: **7:17**
